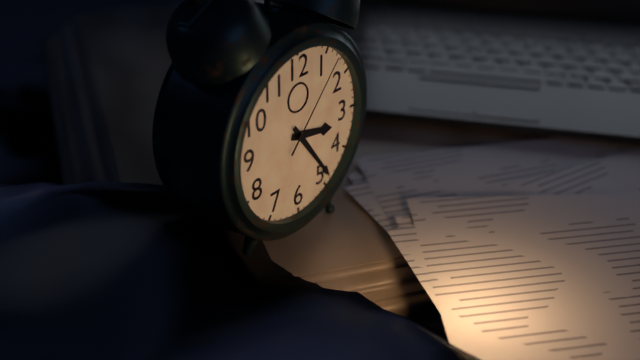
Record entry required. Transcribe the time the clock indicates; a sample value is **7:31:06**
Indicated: **3:24:07**
